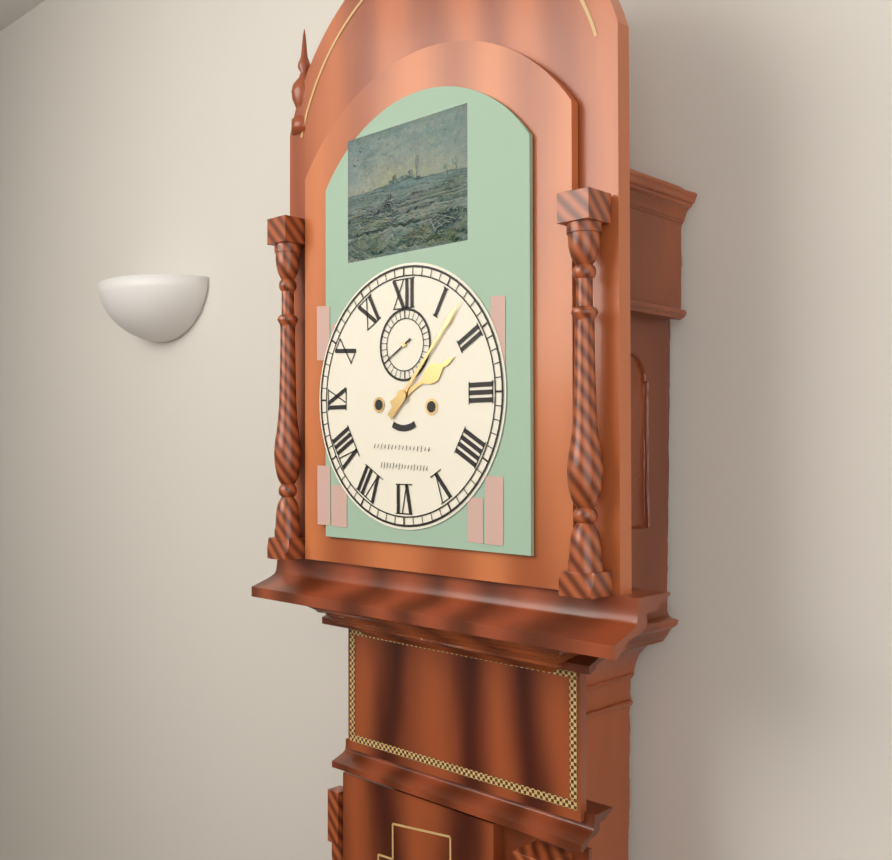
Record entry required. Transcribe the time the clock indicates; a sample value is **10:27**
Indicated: **2:07**
